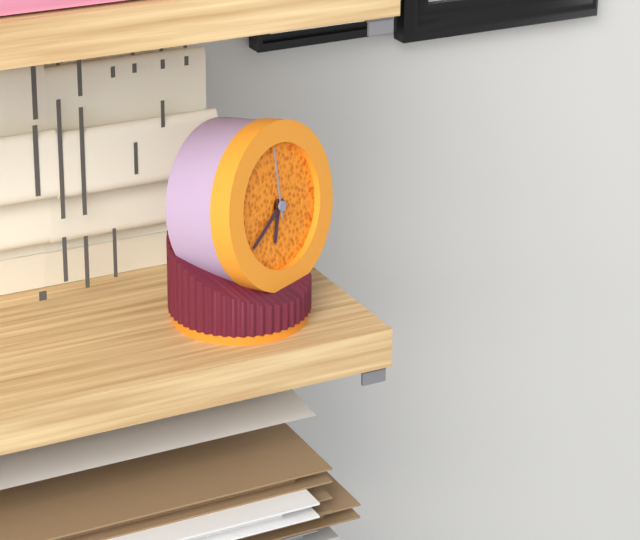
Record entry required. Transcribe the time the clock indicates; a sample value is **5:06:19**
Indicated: **6:40:00**
